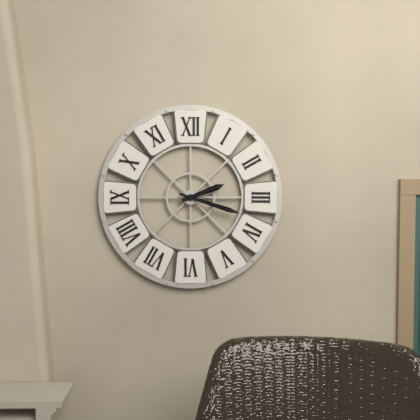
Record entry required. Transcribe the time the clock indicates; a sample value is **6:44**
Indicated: **2:18**
